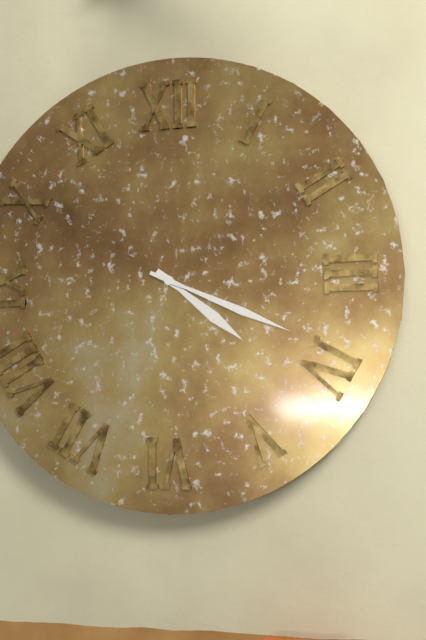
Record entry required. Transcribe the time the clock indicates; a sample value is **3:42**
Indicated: **4:19**
